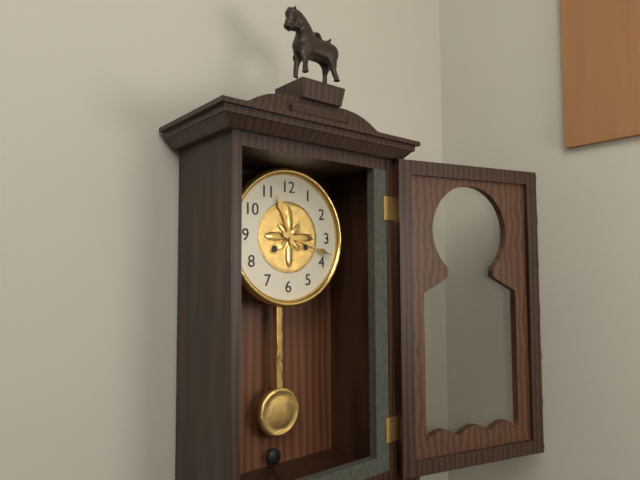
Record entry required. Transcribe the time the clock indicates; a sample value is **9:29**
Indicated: **11:18**
